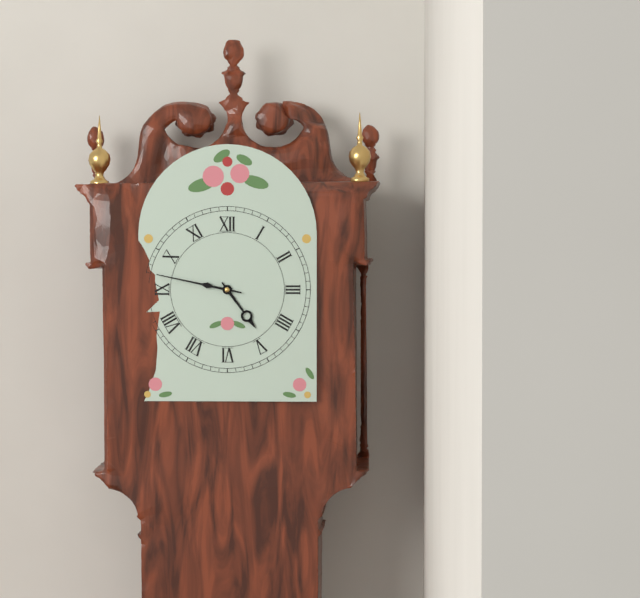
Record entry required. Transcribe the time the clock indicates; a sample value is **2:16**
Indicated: **4:47**
